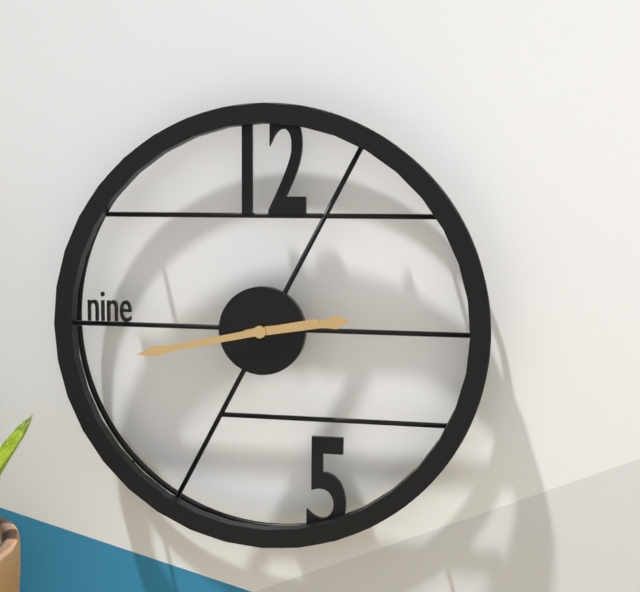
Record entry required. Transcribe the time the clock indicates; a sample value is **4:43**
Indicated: **2:43**
